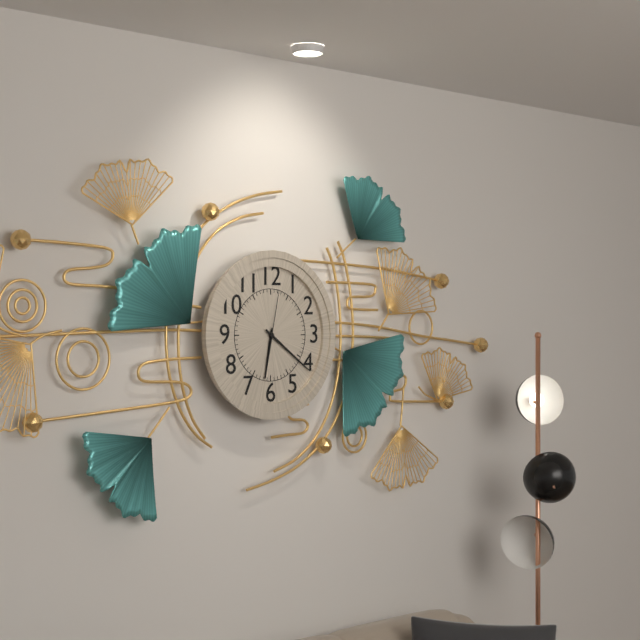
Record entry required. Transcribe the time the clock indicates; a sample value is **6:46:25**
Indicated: **6:21:02**
